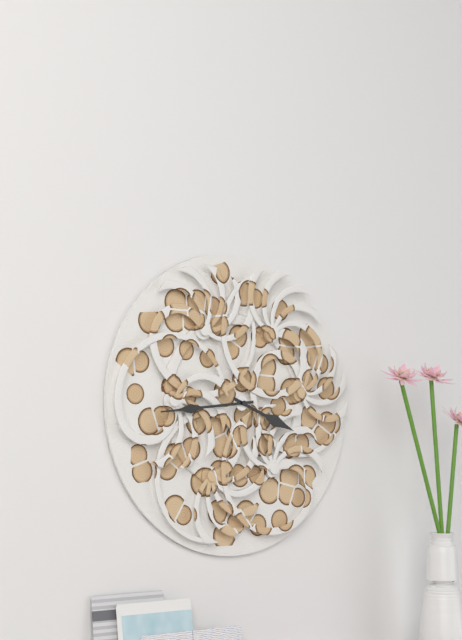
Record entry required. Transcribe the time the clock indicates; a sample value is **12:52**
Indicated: **3:44**
